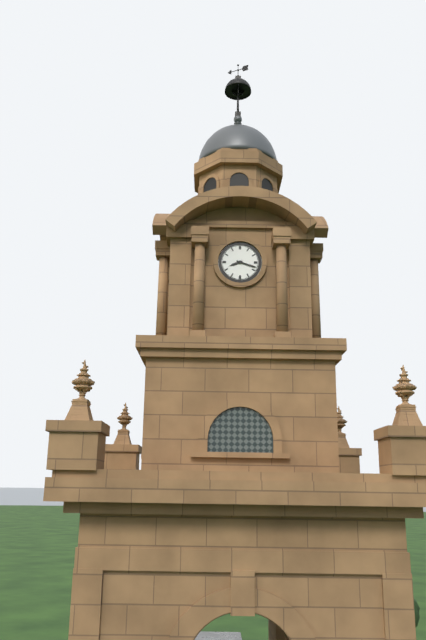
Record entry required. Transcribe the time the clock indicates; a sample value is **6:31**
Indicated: **8:18**
